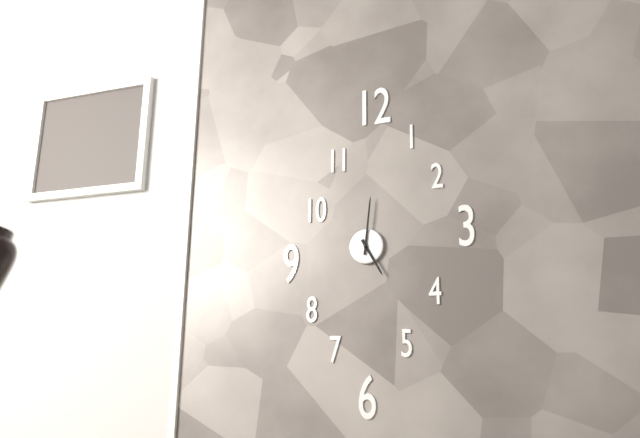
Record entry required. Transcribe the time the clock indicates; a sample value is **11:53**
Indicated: **5:01**
